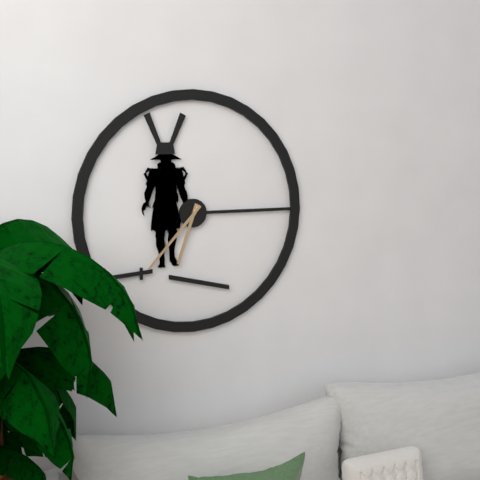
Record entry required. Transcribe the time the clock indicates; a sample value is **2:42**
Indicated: **6:37**
